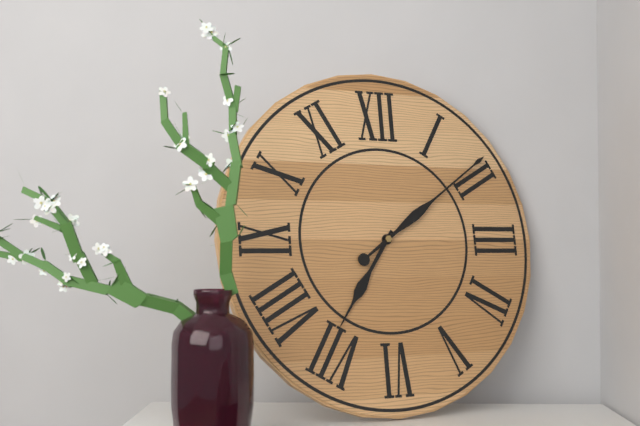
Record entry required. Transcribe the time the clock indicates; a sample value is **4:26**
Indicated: **7:09**
